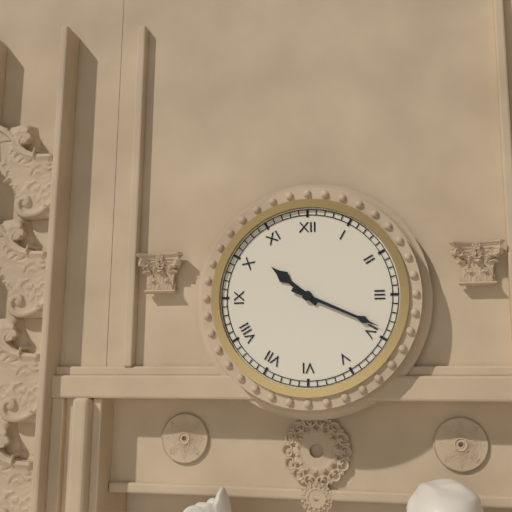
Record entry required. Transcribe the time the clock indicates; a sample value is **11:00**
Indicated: **10:19**
